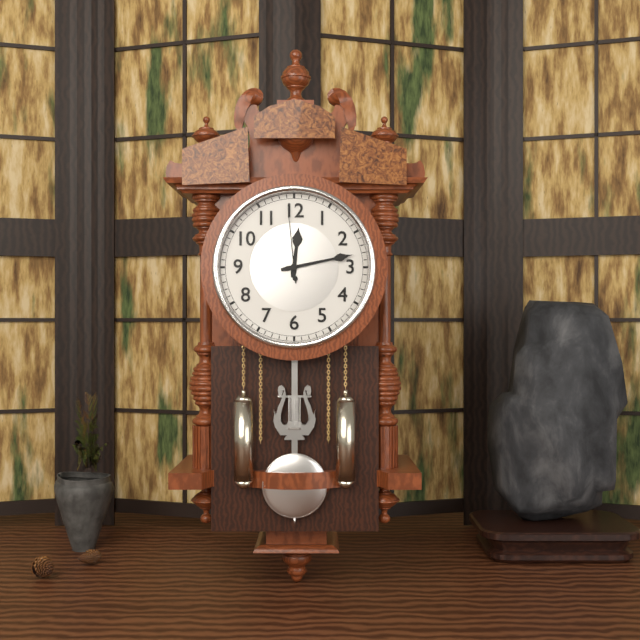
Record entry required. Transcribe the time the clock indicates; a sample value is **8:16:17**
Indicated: **12:13:59**
